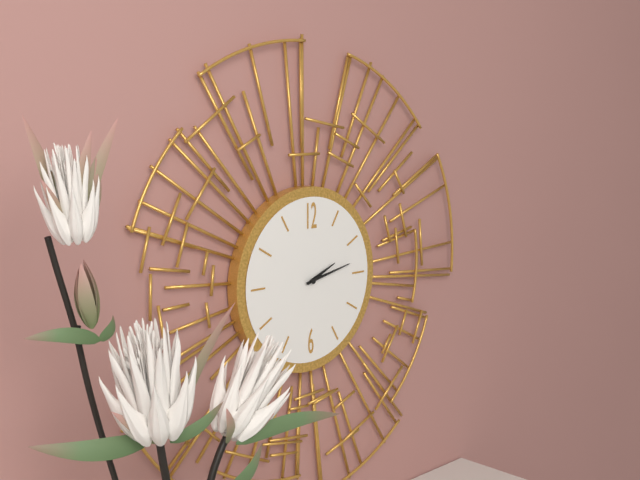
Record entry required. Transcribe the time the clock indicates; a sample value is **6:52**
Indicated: **2:13**
